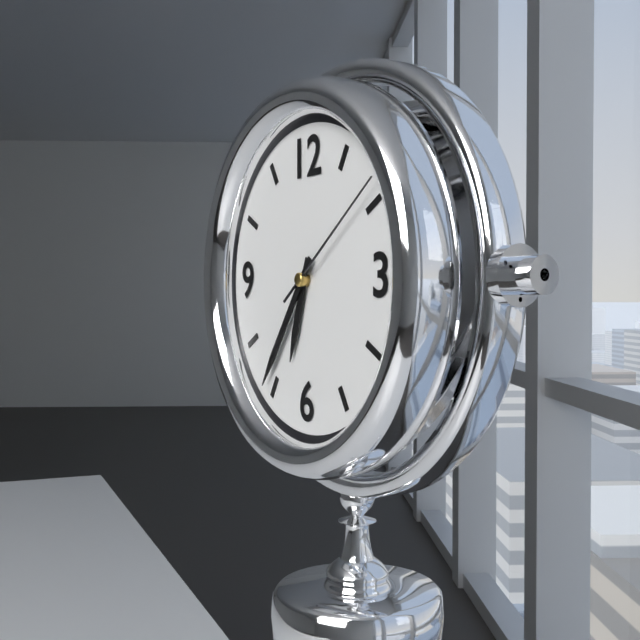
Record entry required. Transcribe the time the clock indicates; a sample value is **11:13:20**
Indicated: **6:36:09**
